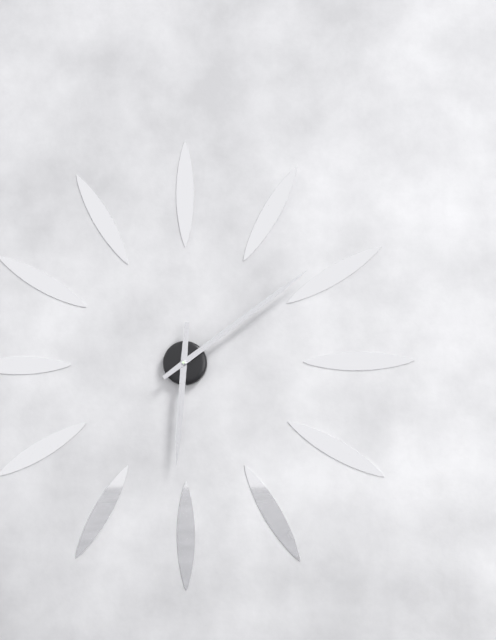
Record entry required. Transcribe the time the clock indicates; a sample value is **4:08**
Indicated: **6:09**
